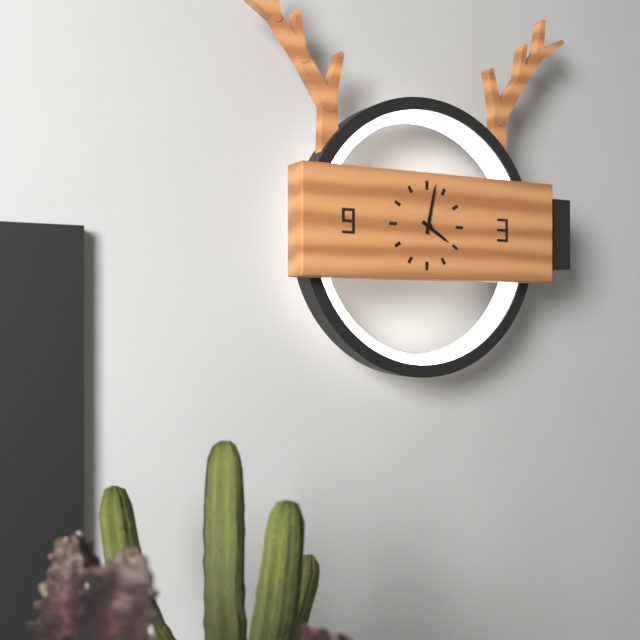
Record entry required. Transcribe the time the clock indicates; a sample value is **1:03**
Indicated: **4:02**
